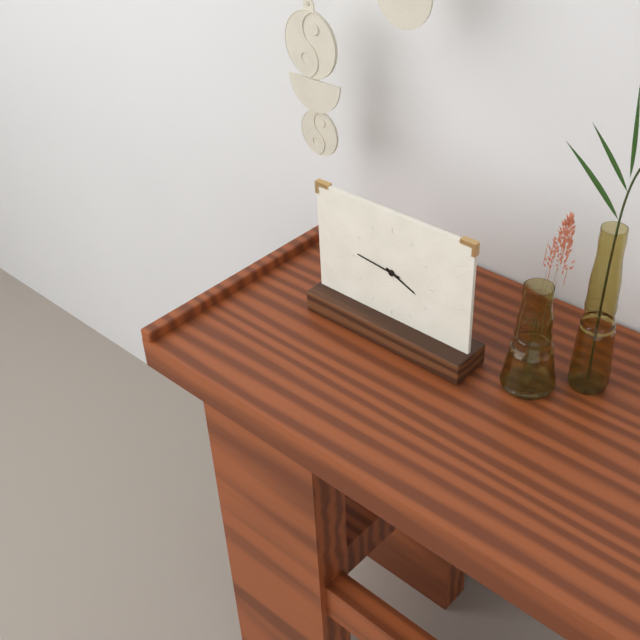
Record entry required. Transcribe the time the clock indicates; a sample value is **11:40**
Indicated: **3:46**
